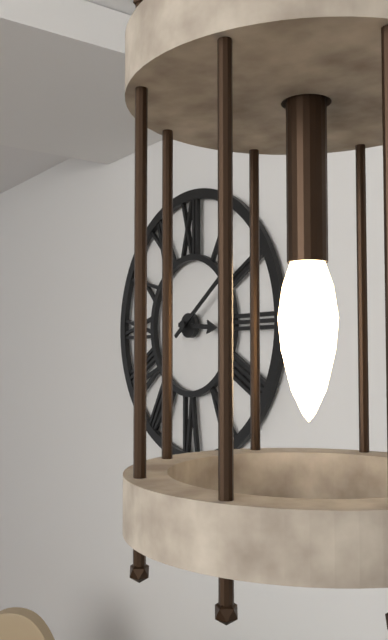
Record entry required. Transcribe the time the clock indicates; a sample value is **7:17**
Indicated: **3:09**
